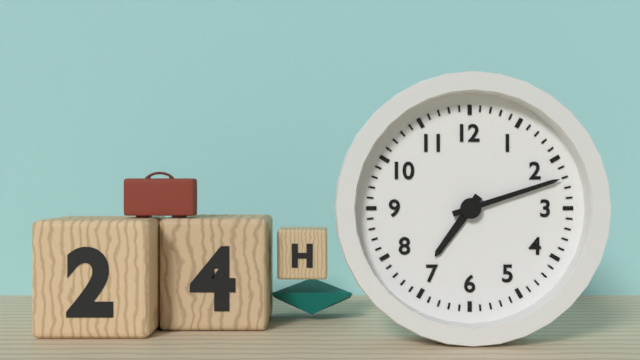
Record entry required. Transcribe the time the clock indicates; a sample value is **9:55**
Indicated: **7:12**
